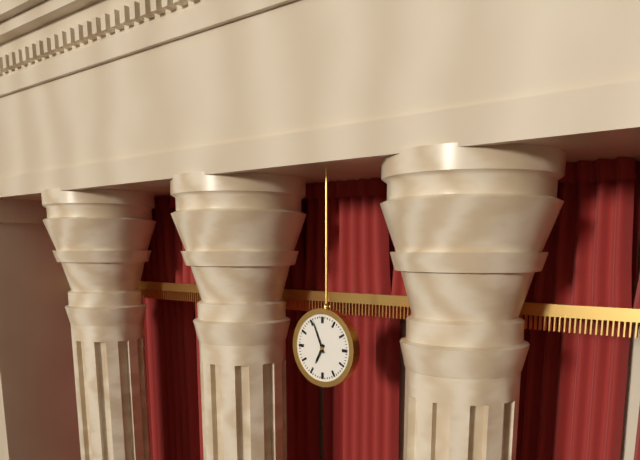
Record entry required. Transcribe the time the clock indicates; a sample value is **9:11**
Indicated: **6:56**
